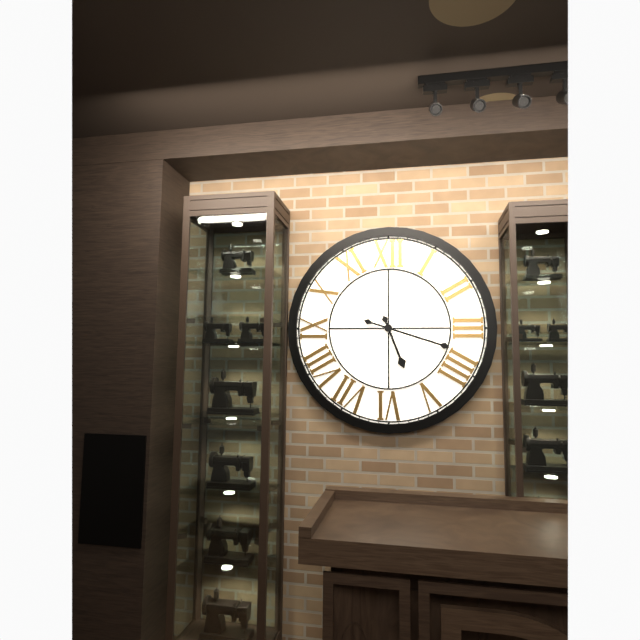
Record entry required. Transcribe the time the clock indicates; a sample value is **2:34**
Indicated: **5:18**
